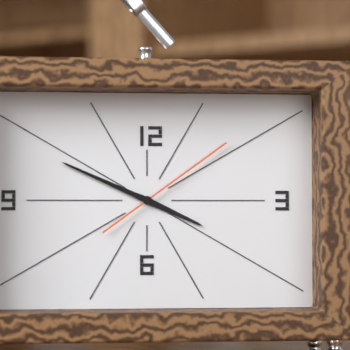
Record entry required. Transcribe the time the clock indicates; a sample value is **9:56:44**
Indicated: **3:49:09**
